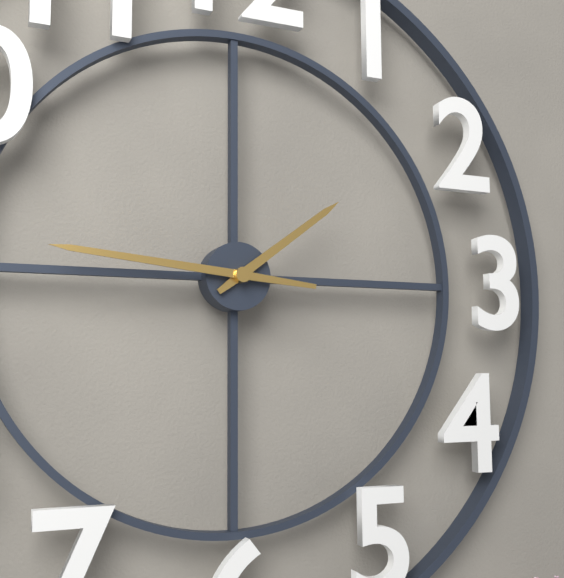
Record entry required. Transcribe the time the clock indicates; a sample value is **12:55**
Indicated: **1:46**
